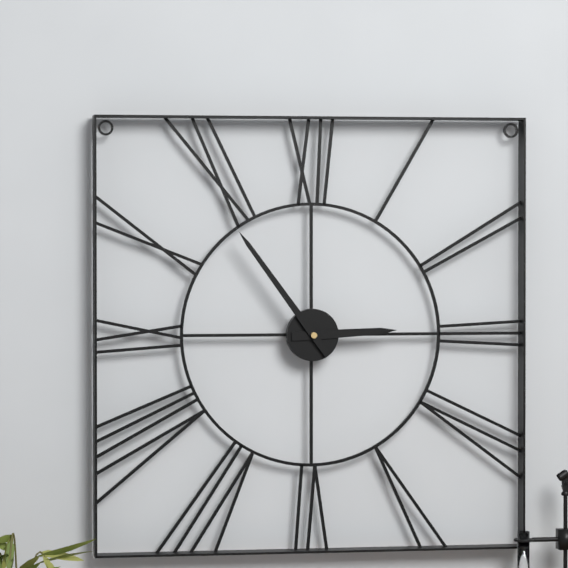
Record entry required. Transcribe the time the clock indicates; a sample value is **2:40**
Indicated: **2:54**
